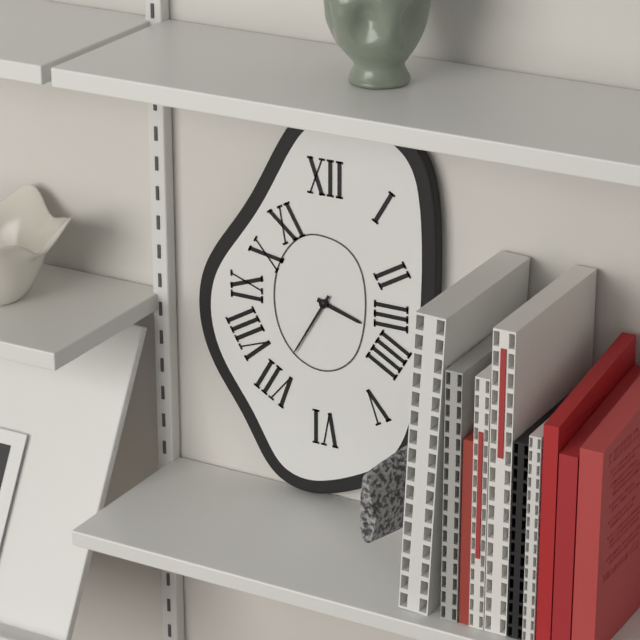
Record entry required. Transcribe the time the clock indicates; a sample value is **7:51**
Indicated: **3:35**
